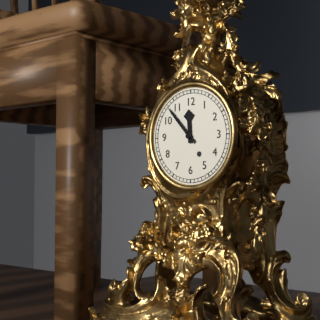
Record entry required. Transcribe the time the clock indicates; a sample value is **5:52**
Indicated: **11:53**
